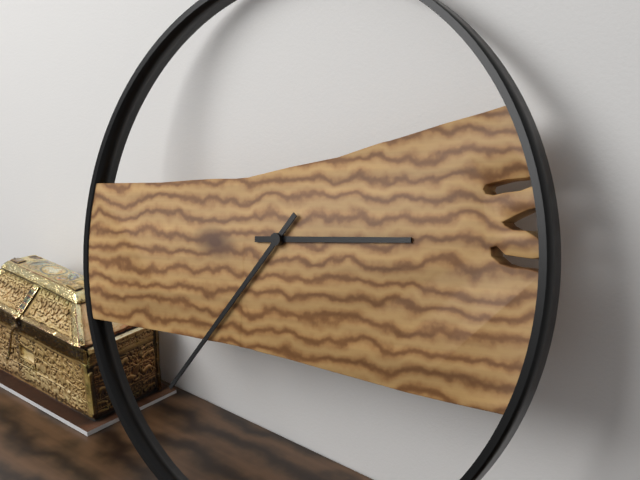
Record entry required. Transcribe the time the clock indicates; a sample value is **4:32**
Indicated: **2:35**
